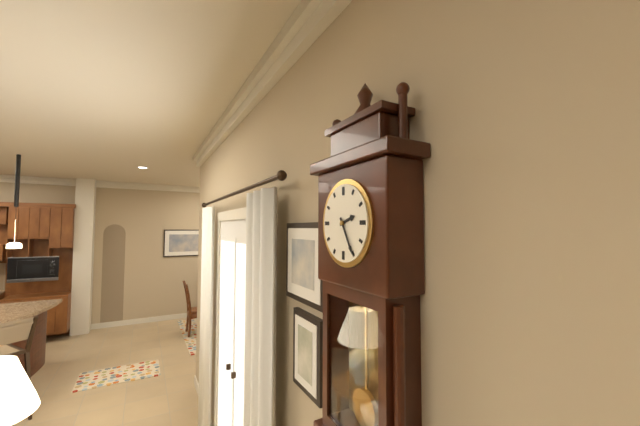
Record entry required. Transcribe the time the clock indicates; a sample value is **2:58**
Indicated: **2:25**
